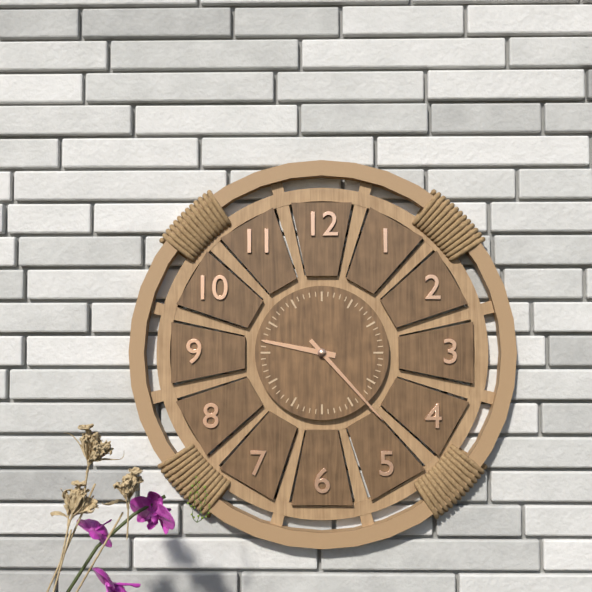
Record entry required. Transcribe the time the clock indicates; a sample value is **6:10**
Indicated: **9:23**
